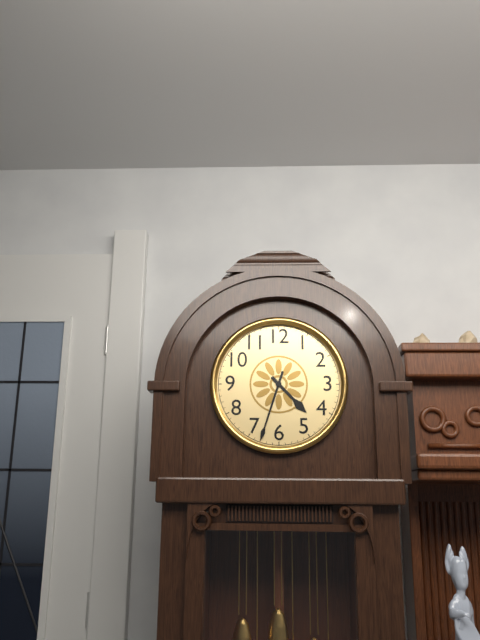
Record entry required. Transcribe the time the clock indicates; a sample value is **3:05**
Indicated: **4:33**
